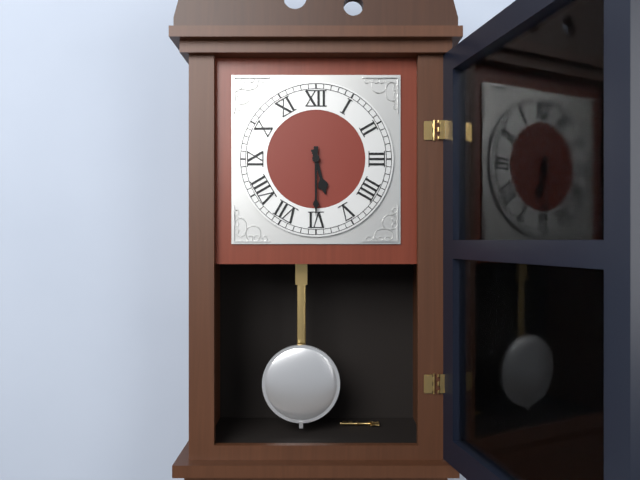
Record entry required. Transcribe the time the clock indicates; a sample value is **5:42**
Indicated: **5:30**
